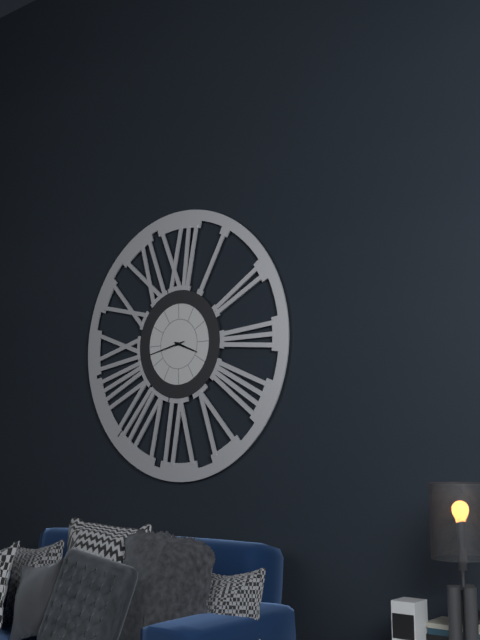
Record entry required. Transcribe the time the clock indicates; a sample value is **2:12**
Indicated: **3:43**
